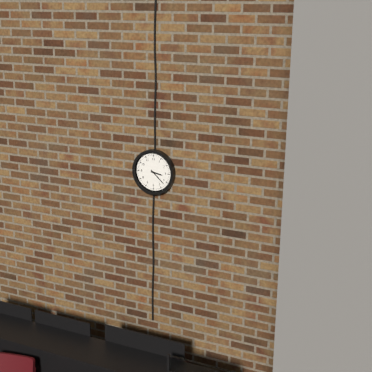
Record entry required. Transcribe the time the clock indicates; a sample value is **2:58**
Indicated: **3:22**
